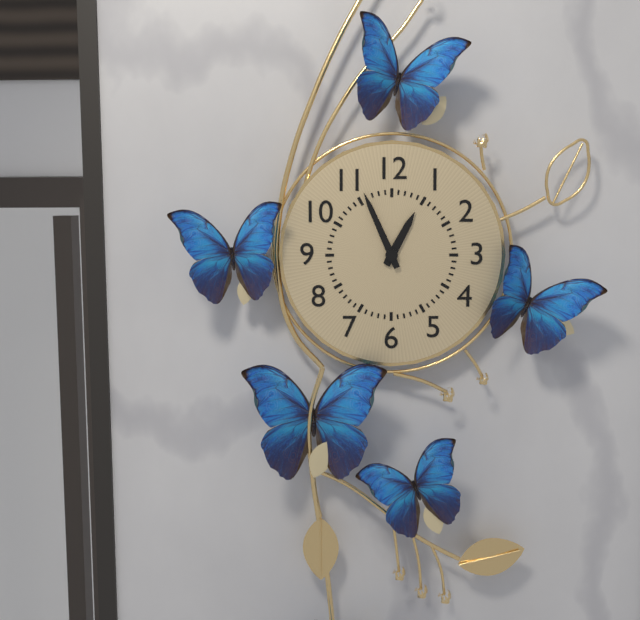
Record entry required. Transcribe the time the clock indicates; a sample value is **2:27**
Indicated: **12:56**
